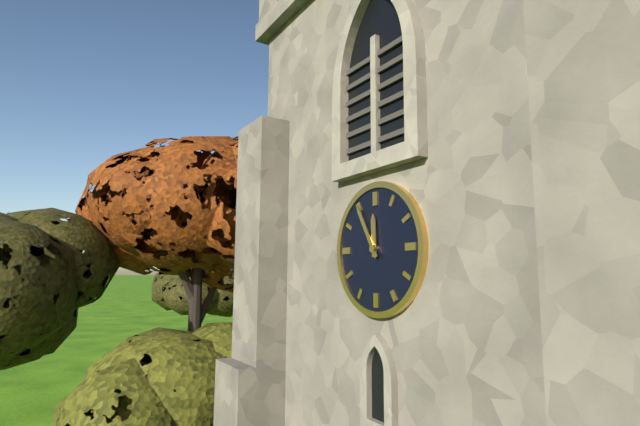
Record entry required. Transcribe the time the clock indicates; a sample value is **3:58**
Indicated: **11:55**
